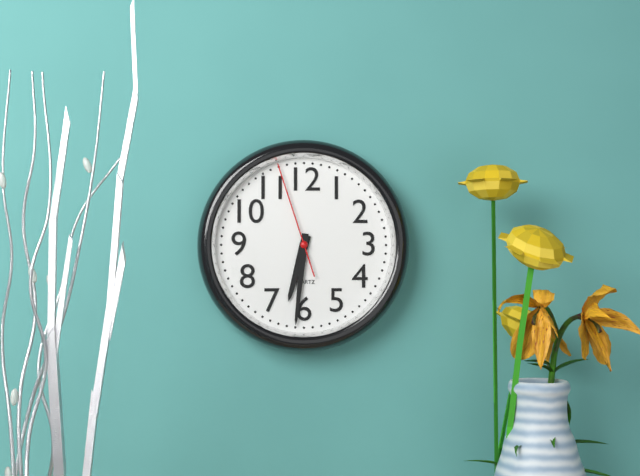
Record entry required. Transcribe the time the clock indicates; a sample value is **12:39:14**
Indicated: **6:31:57**
